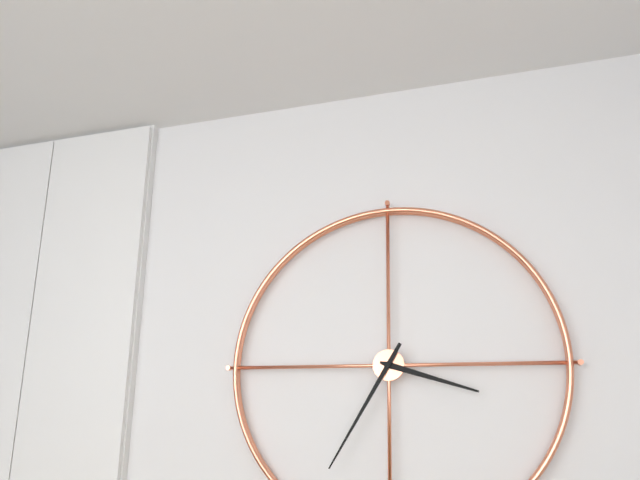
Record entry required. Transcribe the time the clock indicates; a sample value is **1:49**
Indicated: **3:35**
